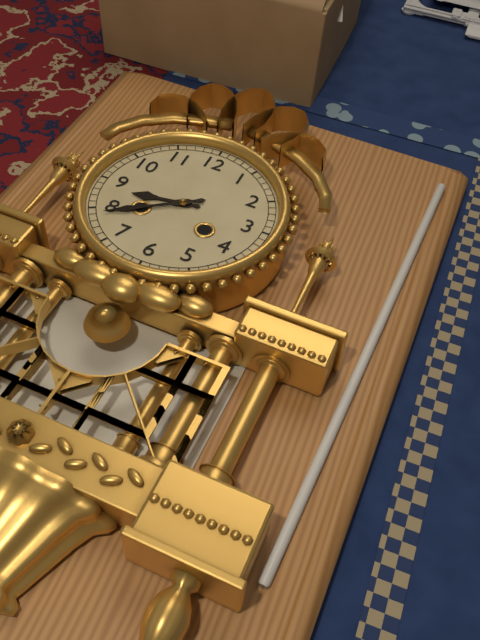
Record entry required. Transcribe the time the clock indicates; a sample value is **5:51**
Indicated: **8:39**
